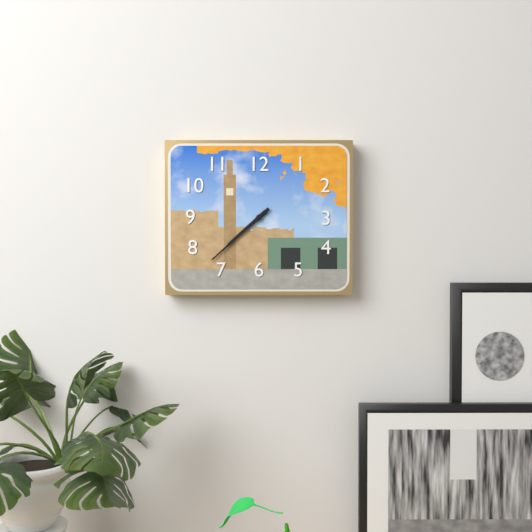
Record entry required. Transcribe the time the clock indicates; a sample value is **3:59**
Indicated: **7:38**
